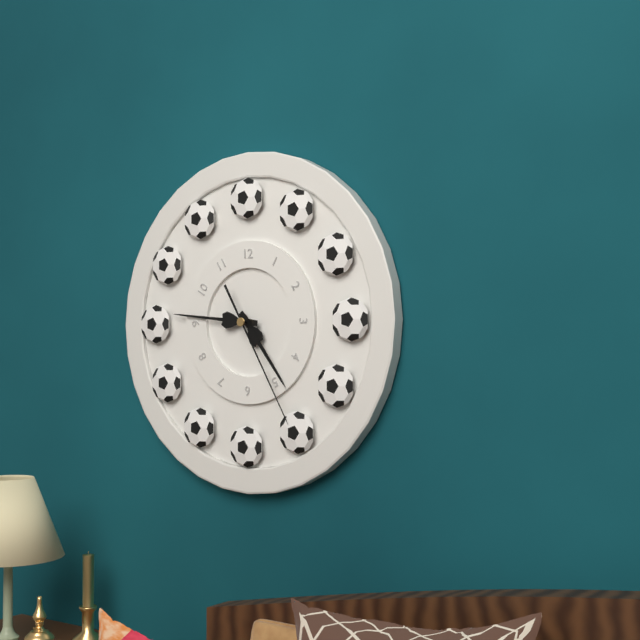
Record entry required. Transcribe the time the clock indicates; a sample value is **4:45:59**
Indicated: **4:46:25**
